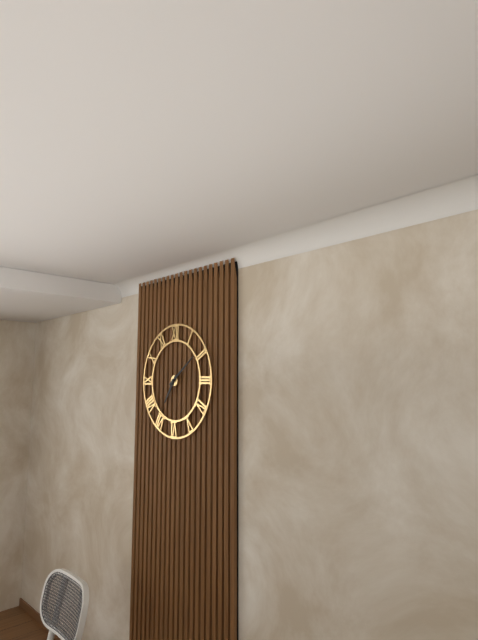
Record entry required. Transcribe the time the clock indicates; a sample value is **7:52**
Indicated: **7:09**
